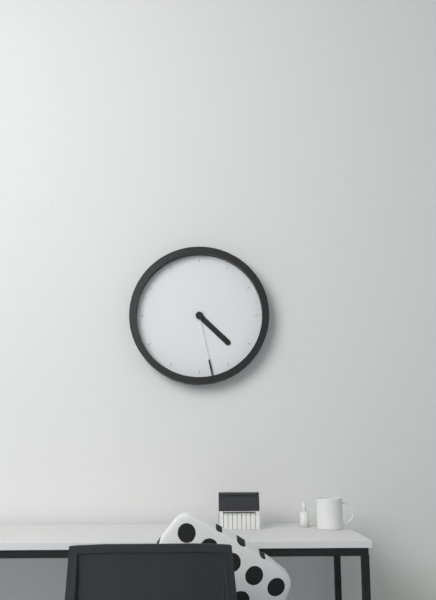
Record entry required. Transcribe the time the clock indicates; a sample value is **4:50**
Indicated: **4:28**
